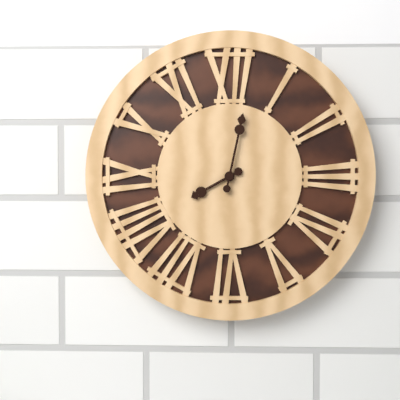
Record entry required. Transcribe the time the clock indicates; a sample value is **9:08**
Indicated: **8:02**
